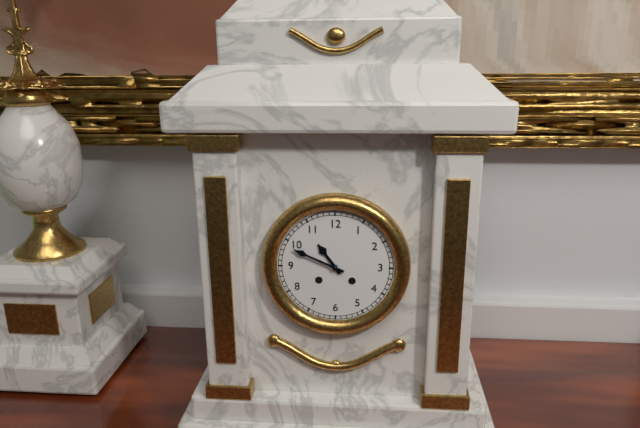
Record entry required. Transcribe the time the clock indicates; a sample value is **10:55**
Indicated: **10:49**
